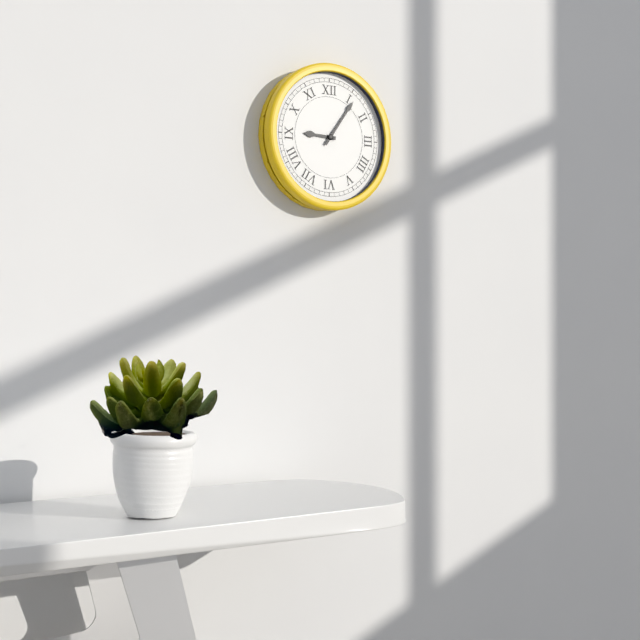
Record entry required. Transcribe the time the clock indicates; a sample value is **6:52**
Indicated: **9:06**
